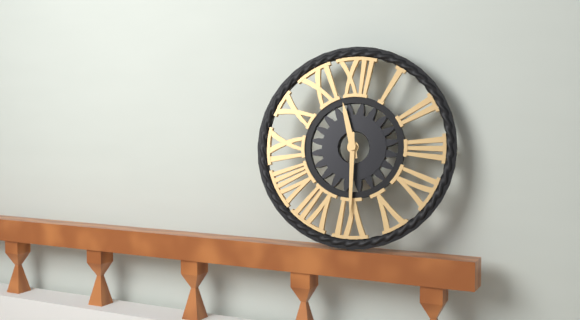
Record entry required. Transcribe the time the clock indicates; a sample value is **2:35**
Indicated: **11:30**
